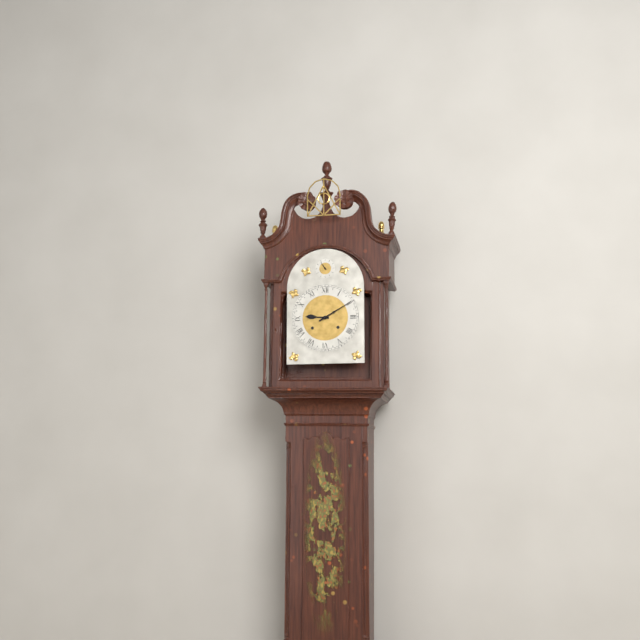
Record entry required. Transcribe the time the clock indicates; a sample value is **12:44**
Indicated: **9:10**
